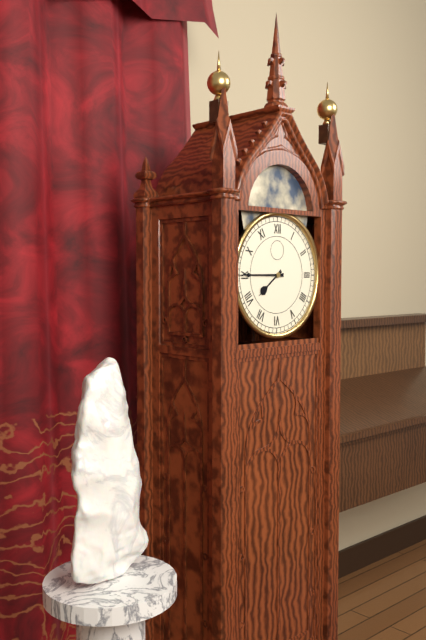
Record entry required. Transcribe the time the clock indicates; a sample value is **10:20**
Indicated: **7:45**
